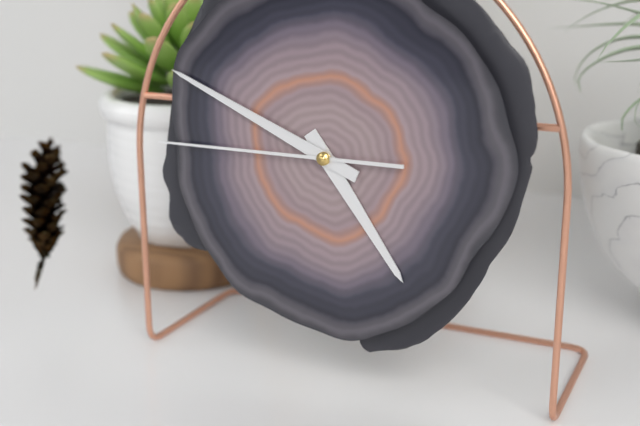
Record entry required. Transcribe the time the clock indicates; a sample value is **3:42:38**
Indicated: **4:49:45**
